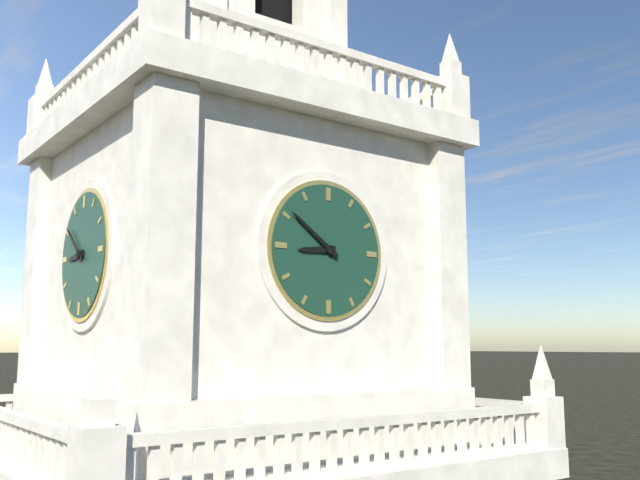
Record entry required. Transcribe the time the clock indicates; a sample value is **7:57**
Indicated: **8:51**
